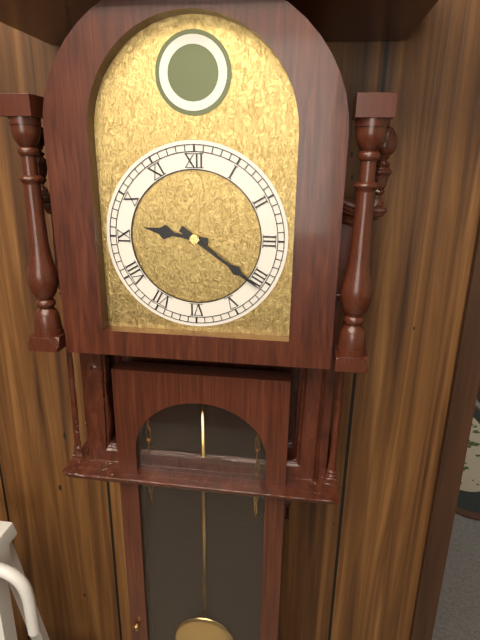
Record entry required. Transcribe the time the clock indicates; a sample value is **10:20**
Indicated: **9:21**
